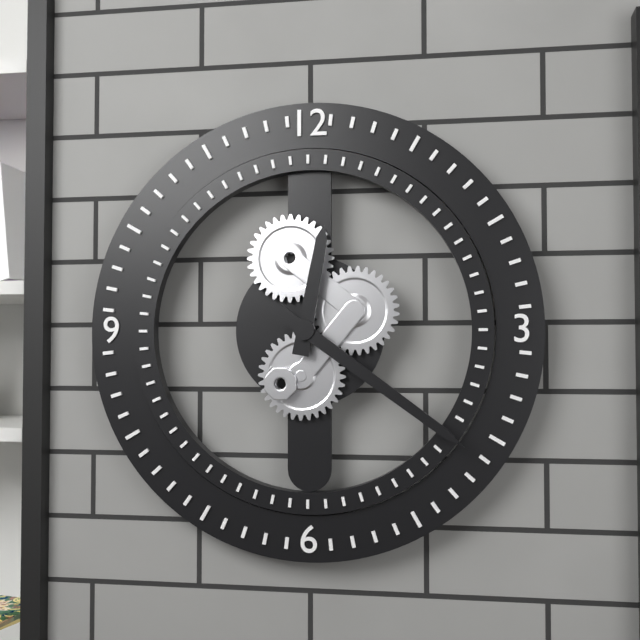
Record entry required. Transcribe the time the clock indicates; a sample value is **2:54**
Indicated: **12:21**
